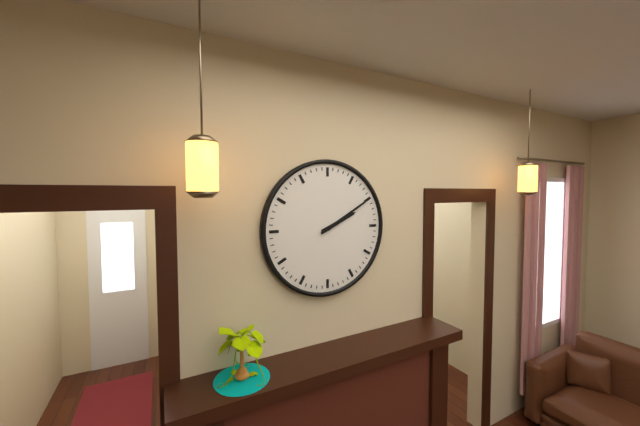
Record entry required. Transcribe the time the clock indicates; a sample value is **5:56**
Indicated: **2:10**
